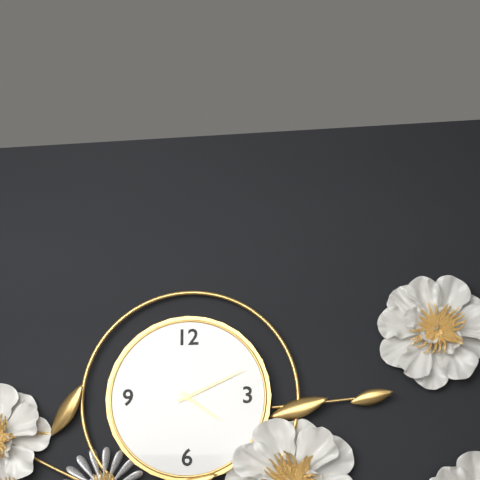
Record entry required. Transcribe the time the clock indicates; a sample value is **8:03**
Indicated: **4:11**
